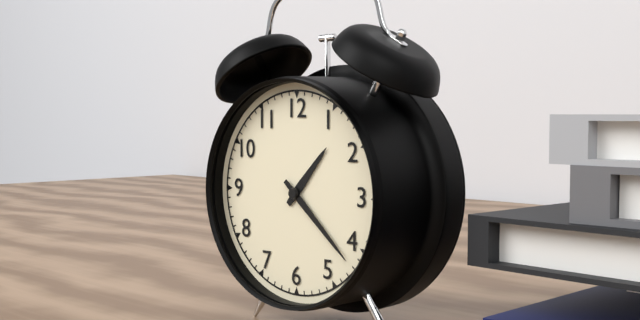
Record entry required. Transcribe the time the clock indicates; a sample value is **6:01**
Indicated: **1:22**
